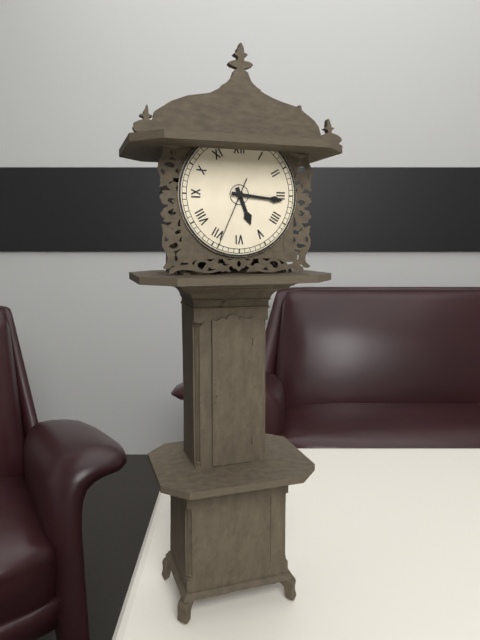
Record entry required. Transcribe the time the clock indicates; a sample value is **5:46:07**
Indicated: **5:16:34**
